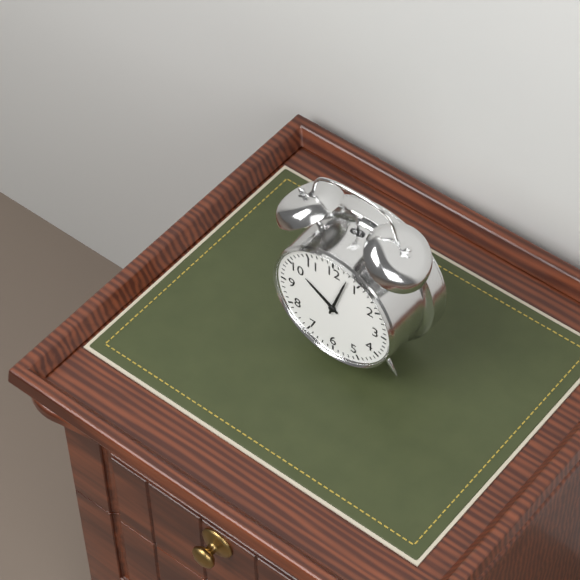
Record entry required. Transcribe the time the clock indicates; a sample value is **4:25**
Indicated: **10:03**
